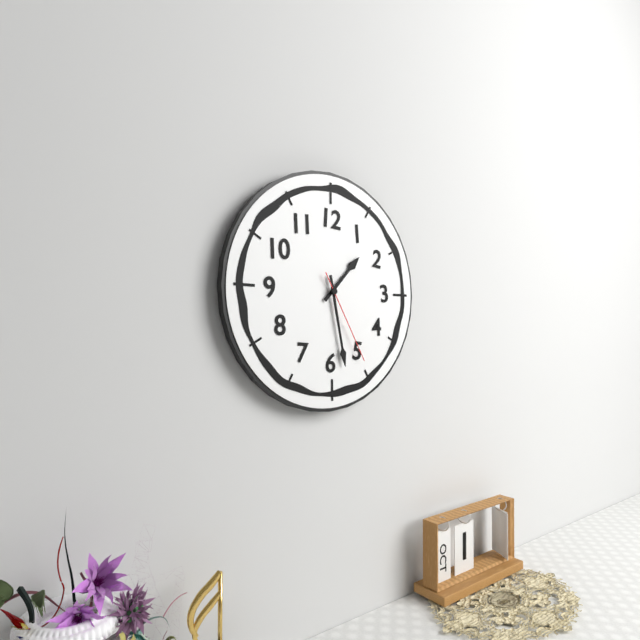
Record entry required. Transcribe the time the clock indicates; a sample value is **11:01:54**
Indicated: **1:28:25**
